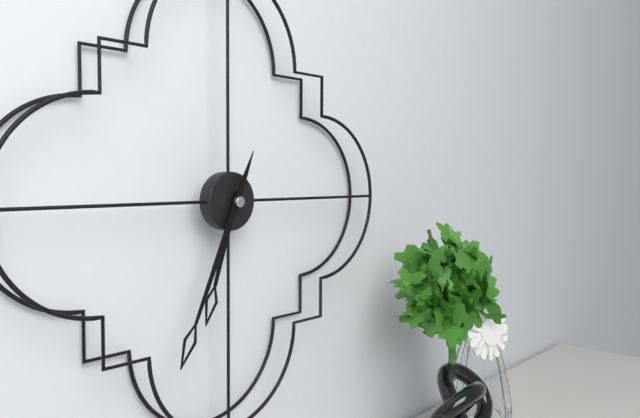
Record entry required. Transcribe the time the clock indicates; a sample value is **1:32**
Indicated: **6:34**
